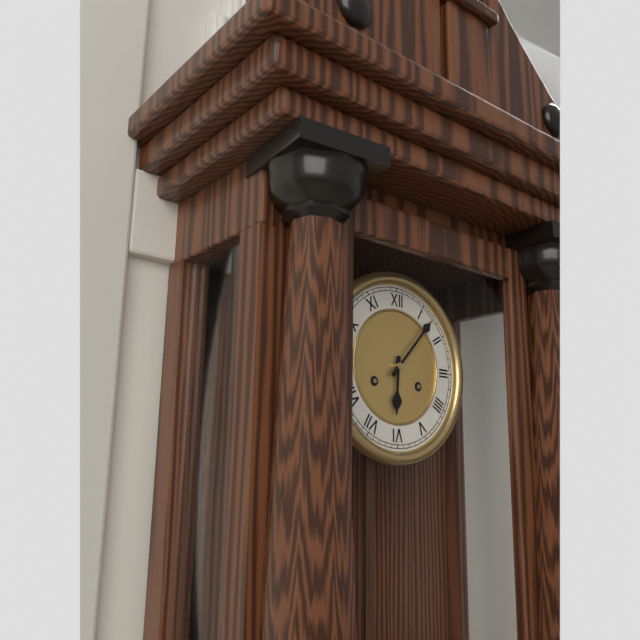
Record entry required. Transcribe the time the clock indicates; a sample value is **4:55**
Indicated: **6:07**
